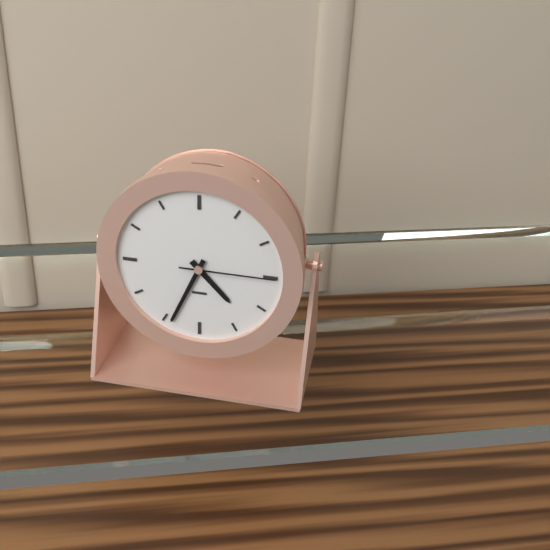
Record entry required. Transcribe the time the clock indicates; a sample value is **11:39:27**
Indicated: **4:34:15**
